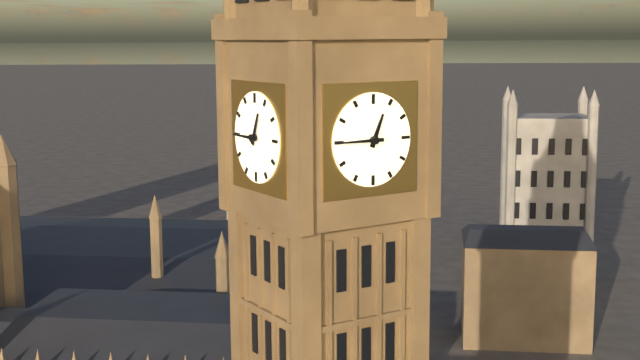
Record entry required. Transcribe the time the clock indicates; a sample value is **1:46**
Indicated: **12:45**
